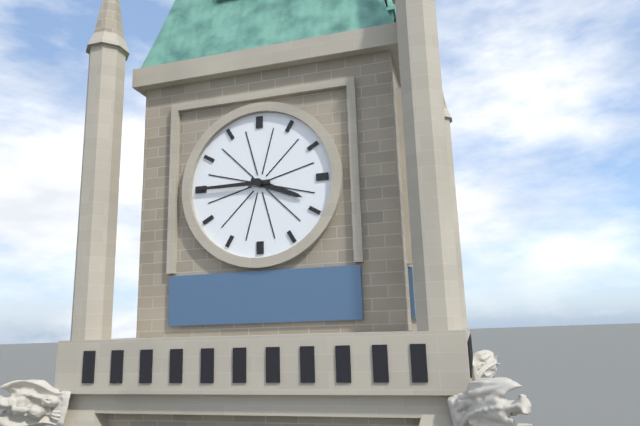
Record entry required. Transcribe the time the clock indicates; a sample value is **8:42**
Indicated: **3:45**
